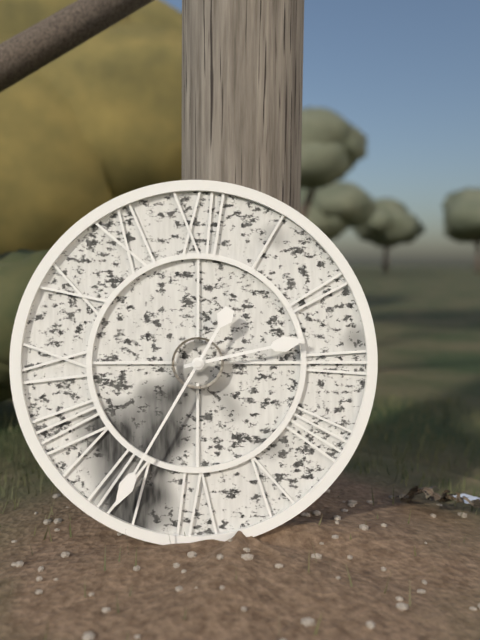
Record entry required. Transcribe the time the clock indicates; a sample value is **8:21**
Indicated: **2:35**
